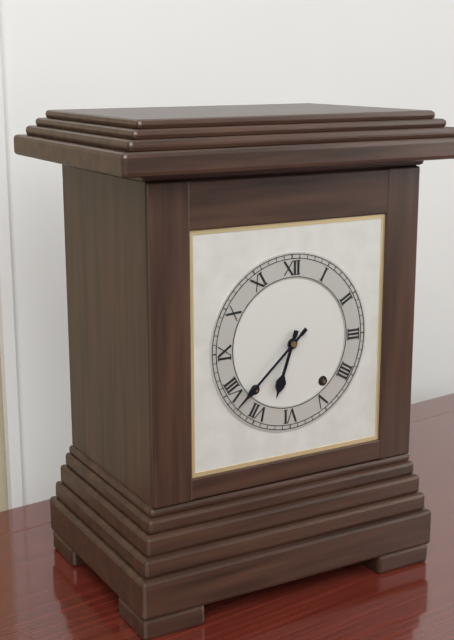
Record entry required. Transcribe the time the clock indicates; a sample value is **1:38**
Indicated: **6:38**
